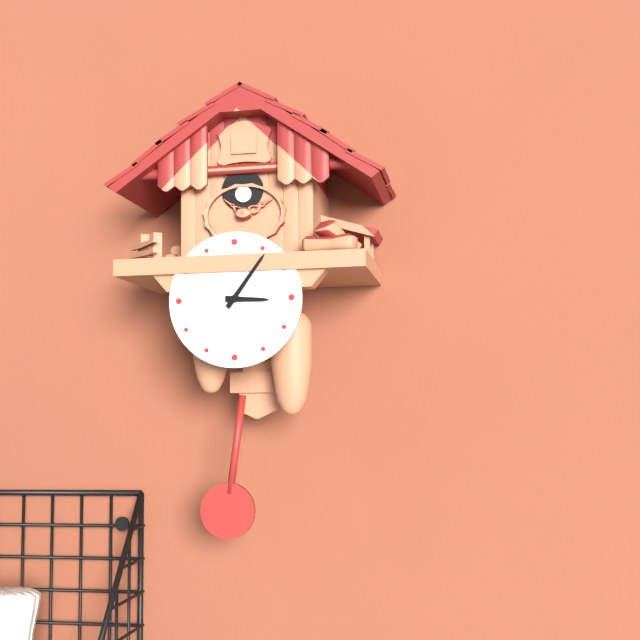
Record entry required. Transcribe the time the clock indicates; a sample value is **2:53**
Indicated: **3:06**
